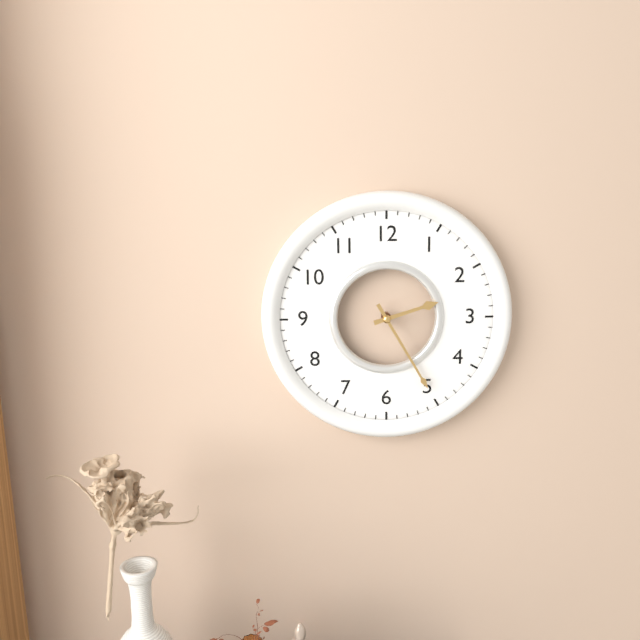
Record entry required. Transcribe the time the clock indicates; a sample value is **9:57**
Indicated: **2:25**
